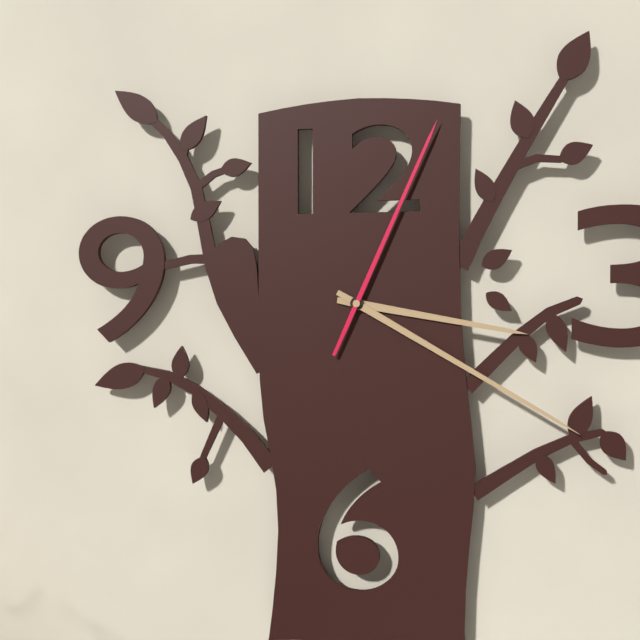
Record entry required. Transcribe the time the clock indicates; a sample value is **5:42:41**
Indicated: **3:20:04**
